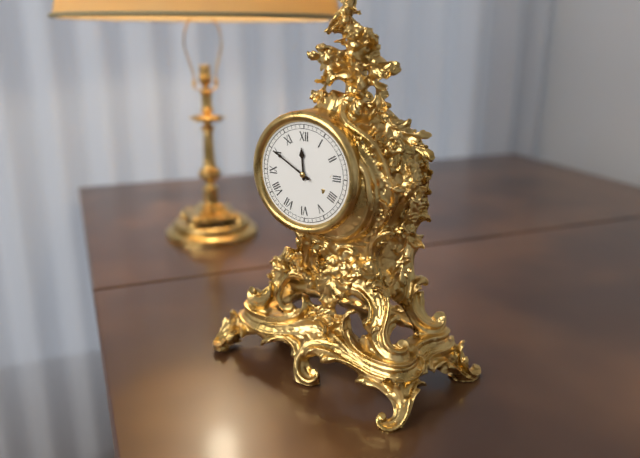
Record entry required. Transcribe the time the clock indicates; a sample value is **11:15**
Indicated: **11:50**
